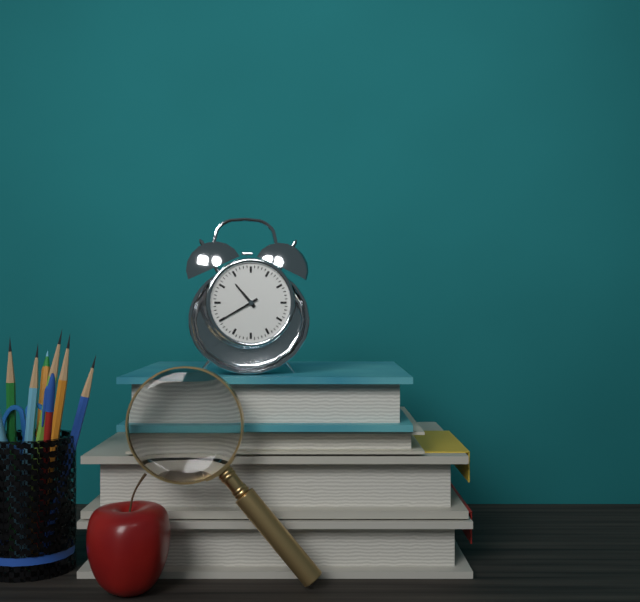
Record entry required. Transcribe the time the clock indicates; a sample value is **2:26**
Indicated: **10:40**
